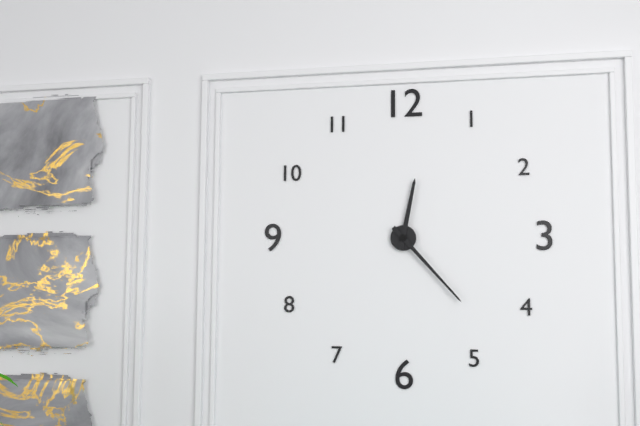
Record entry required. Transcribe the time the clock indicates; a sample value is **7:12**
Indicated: **12:23**
